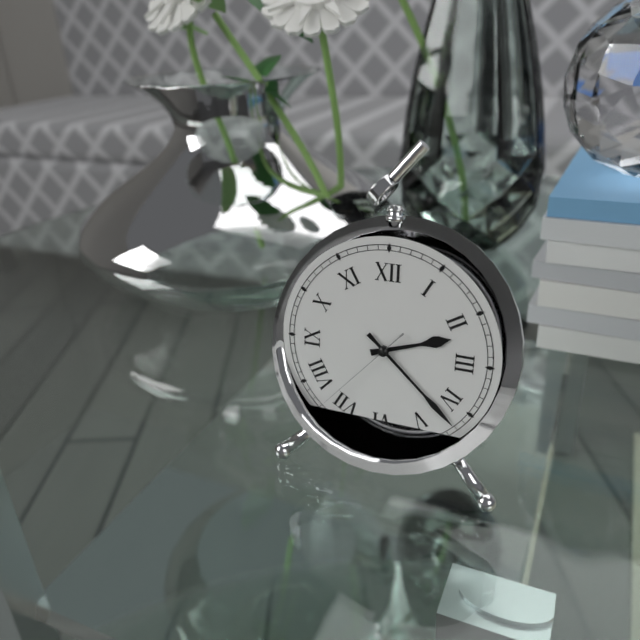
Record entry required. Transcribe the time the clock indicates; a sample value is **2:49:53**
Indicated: **2:22:37**
